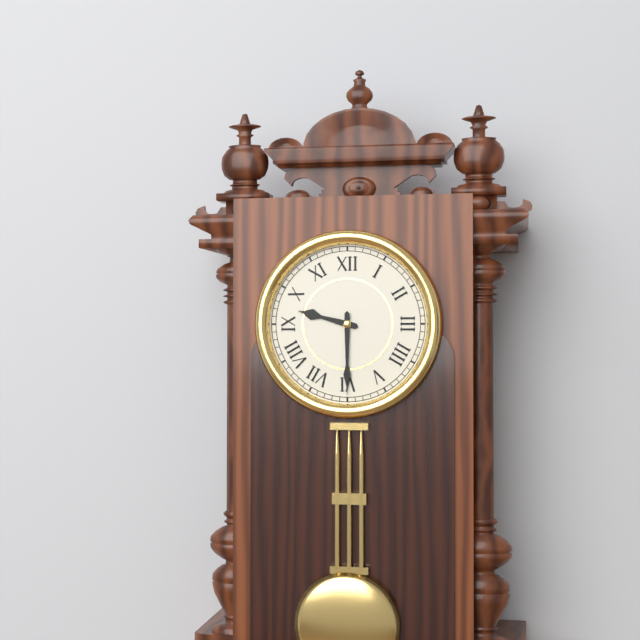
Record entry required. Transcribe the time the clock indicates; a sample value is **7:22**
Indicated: **9:30**
